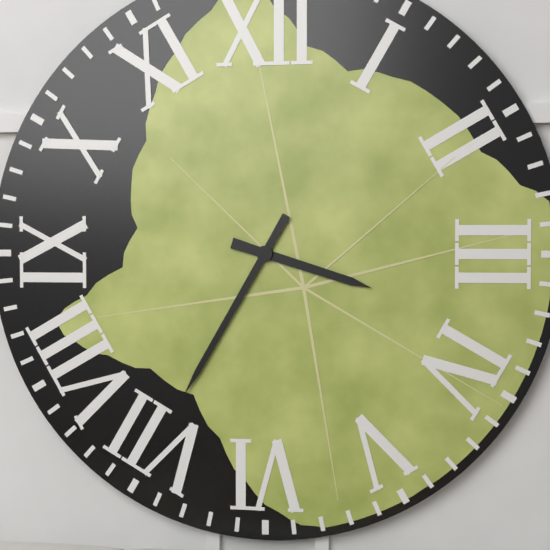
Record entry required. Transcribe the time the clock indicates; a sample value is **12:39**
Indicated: **3:35**
